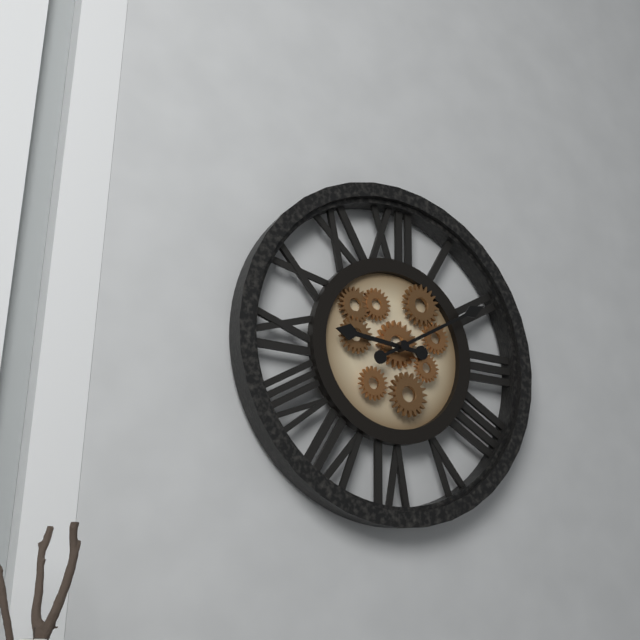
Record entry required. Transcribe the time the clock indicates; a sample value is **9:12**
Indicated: **9:10**
